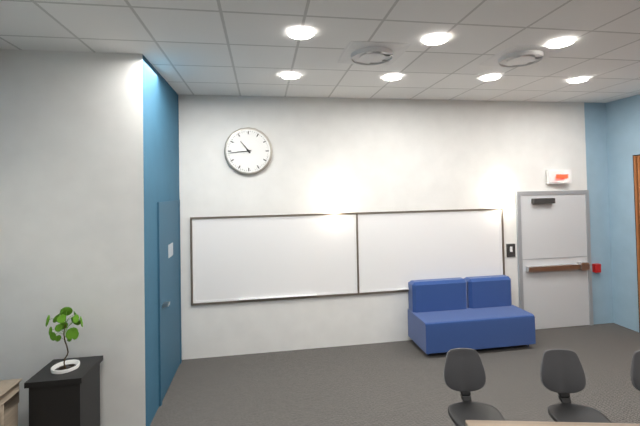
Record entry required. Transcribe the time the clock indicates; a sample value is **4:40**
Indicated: **10:44**
